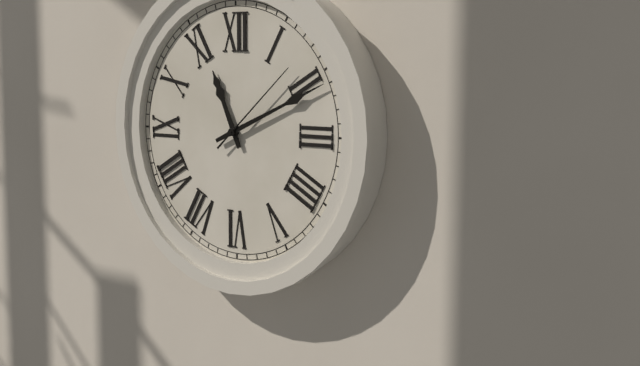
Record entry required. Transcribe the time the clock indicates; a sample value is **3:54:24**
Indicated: **11:11:08**
